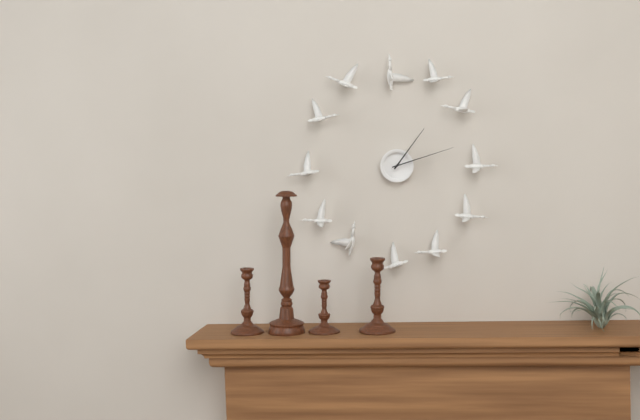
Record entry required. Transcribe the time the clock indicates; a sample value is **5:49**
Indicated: **1:12**
